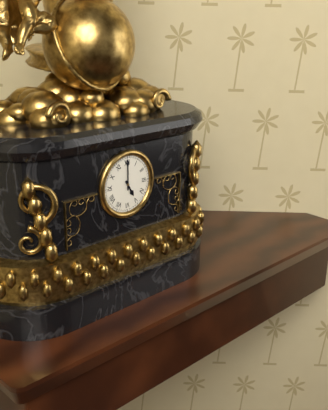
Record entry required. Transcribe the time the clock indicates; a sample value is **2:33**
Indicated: **5:00**
